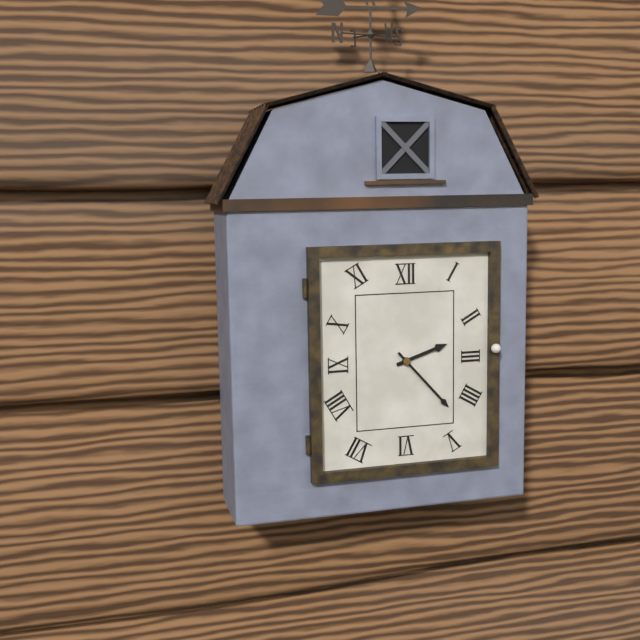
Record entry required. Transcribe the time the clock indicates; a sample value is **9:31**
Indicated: **2:23**
